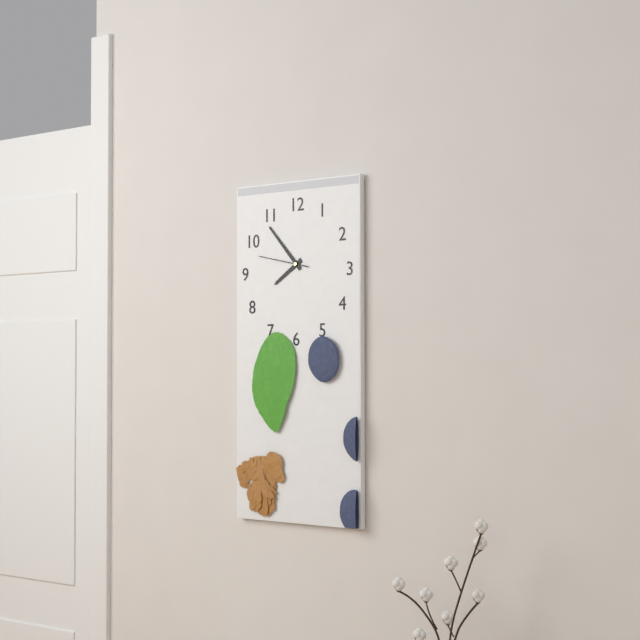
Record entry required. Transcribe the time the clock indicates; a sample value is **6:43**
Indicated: **7:53**
